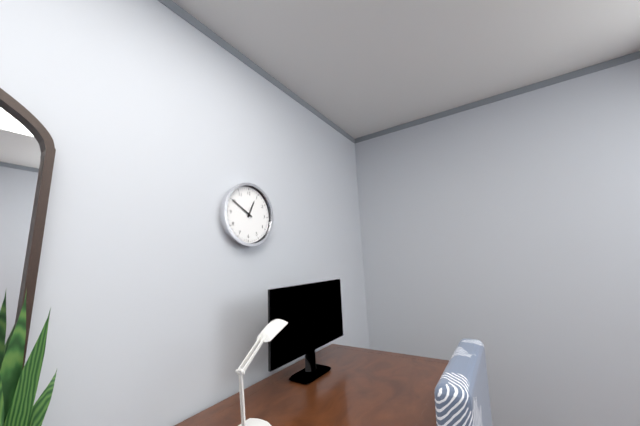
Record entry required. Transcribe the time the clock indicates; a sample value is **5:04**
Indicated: **12:50**
